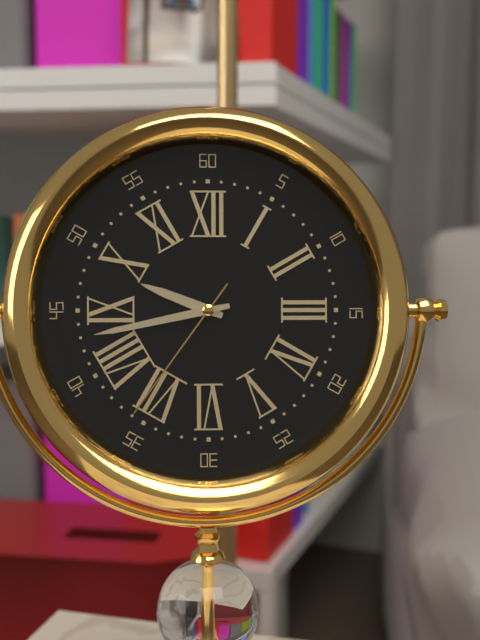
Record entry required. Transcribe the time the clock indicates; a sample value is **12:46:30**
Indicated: **9:43:36**
